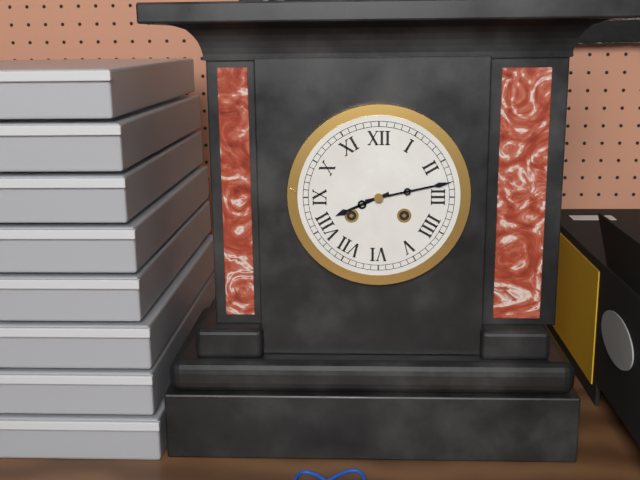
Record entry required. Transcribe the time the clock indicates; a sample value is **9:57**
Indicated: **8:13**
